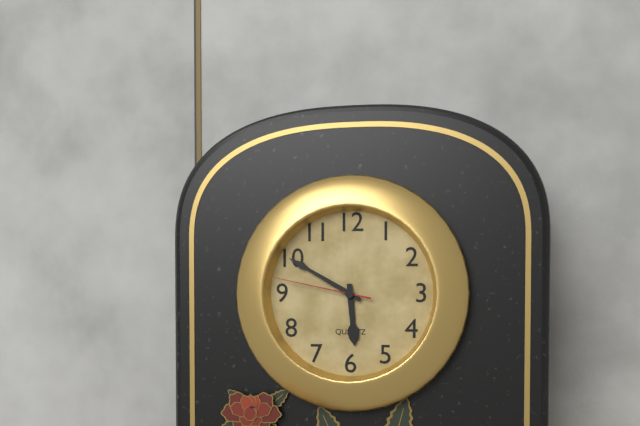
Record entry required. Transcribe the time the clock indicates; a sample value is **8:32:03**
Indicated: **5:50:47**
